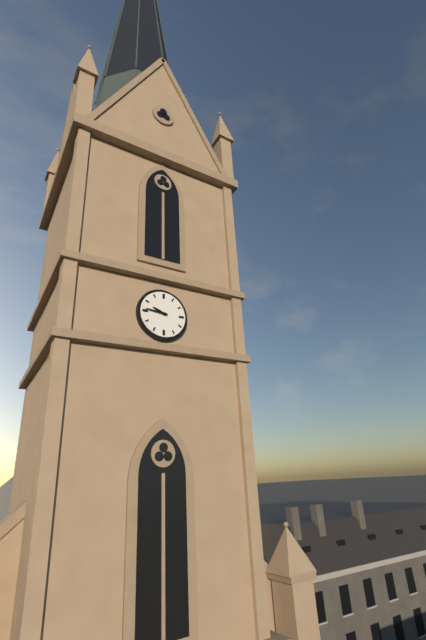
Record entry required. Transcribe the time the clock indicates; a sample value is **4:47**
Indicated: **9:46**
